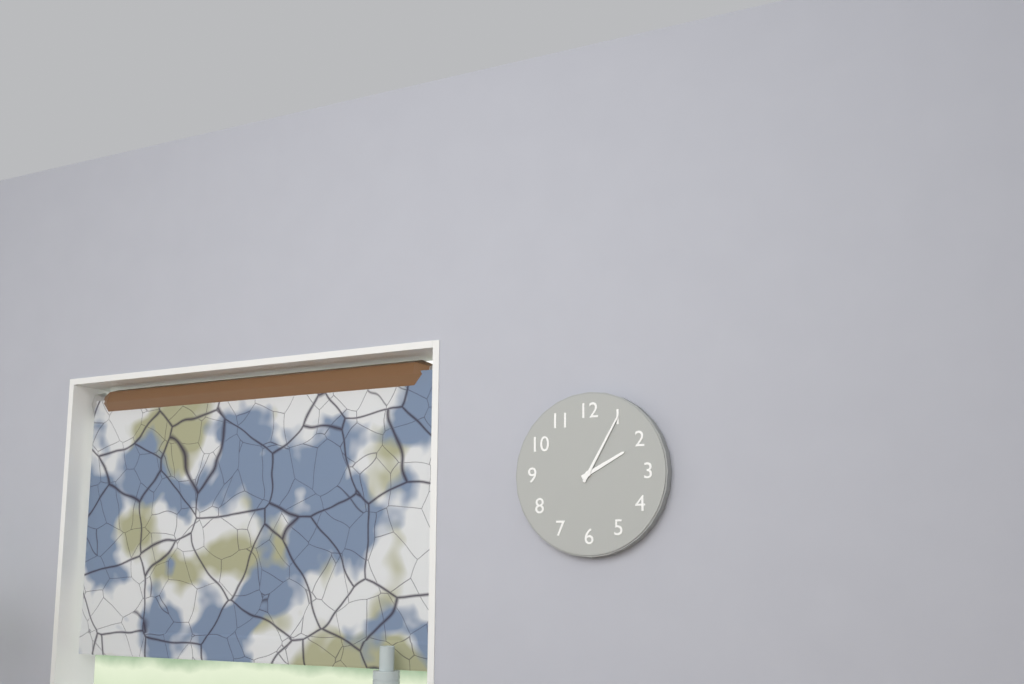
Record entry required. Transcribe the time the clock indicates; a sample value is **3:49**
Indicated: **2:05**
